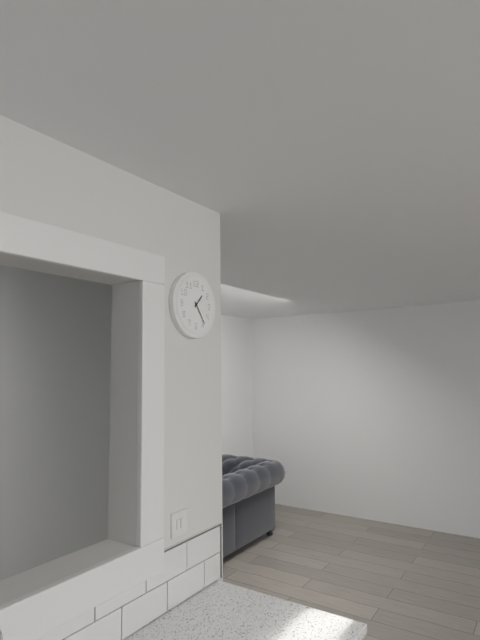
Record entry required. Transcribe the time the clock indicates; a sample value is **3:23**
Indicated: **1:24**
